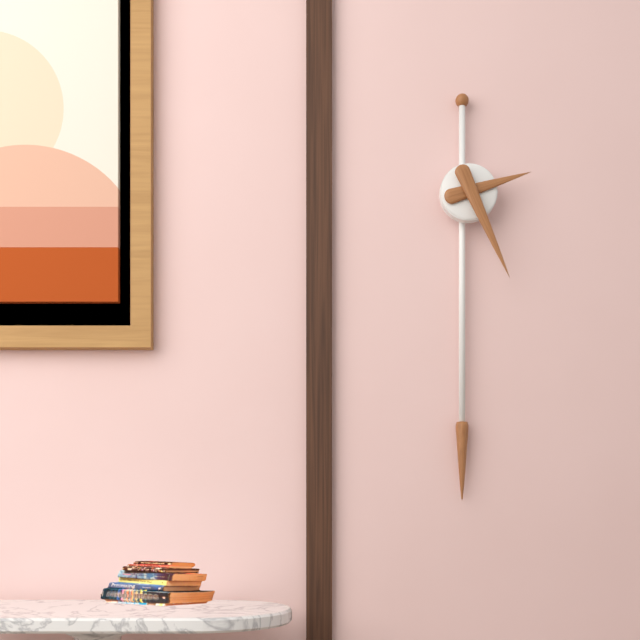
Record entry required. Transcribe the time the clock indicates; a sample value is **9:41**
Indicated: **2:26**
